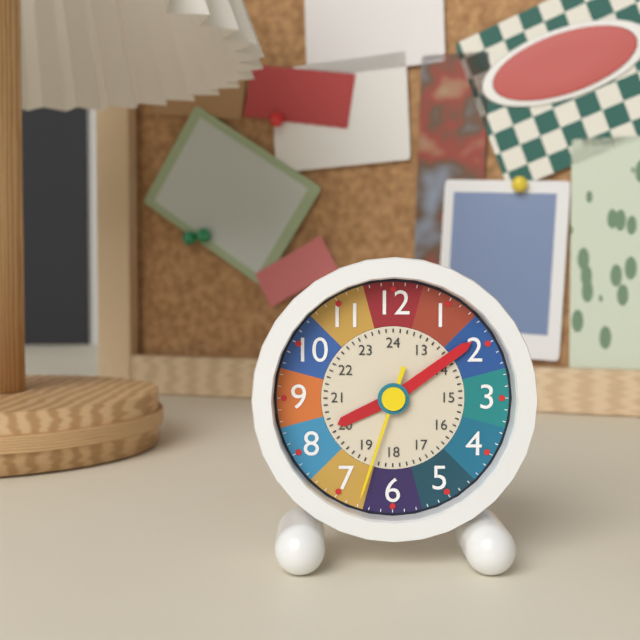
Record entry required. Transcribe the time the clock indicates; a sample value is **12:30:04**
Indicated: **8:09:33**
